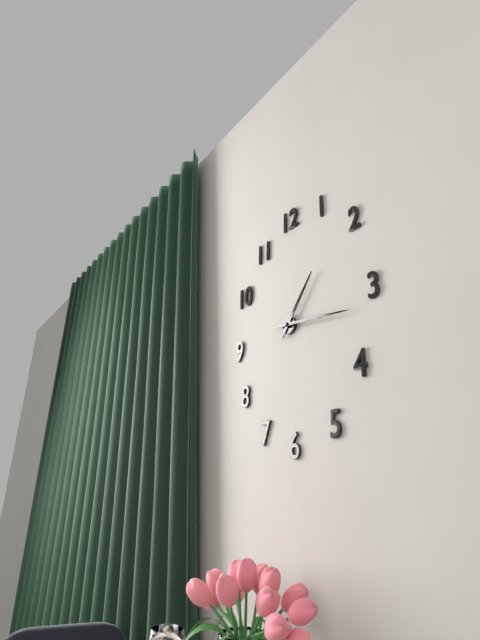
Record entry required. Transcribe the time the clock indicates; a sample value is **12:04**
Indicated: **1:16**
